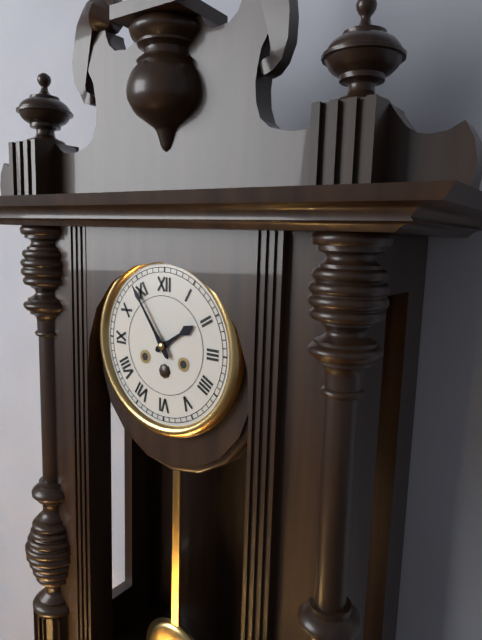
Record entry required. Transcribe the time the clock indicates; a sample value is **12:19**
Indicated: **1:54**
